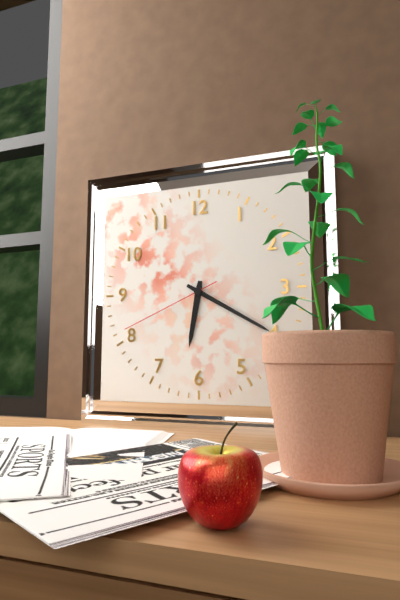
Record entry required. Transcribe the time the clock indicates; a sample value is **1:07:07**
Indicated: **6:20:41**
